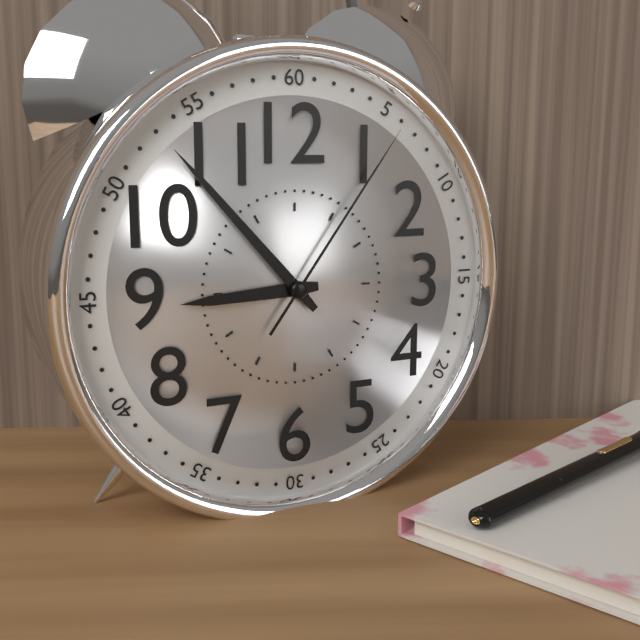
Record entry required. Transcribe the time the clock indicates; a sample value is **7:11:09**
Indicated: **8:53:06**
